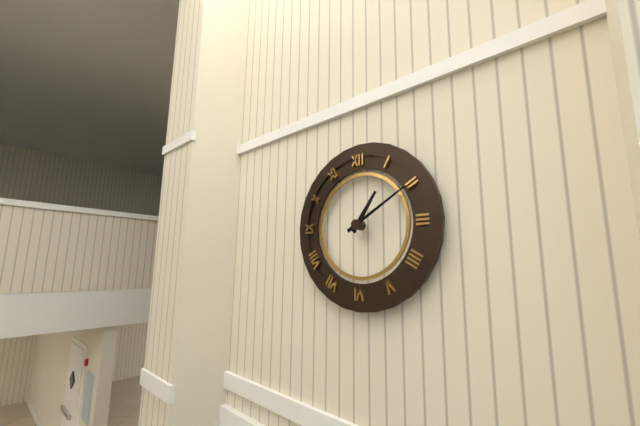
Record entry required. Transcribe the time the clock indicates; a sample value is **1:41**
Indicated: **1:10**
